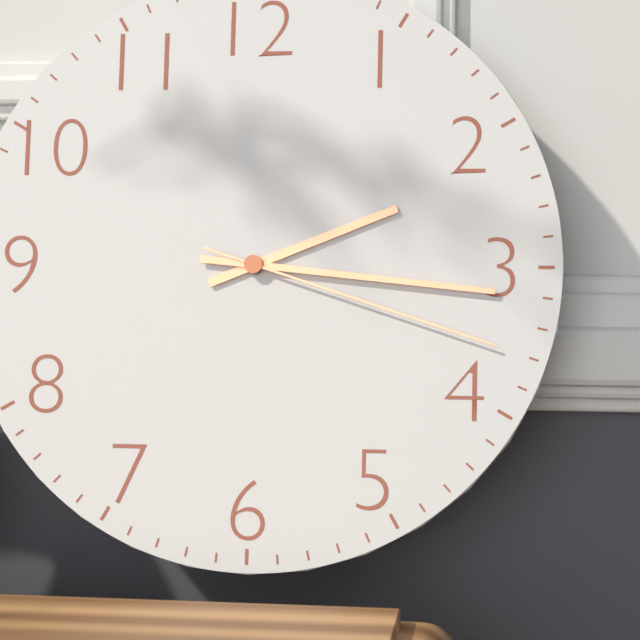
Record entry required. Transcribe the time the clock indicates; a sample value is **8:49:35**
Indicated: **2:16:18**
